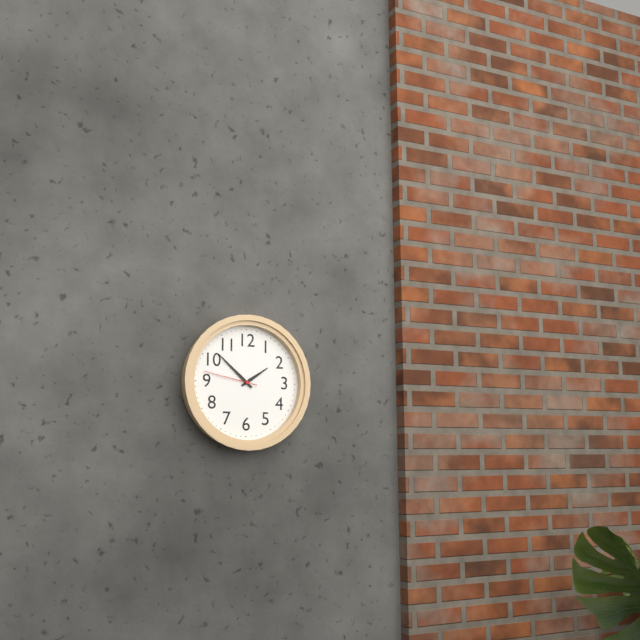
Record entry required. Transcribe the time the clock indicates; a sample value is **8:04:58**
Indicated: **1:52:47**
